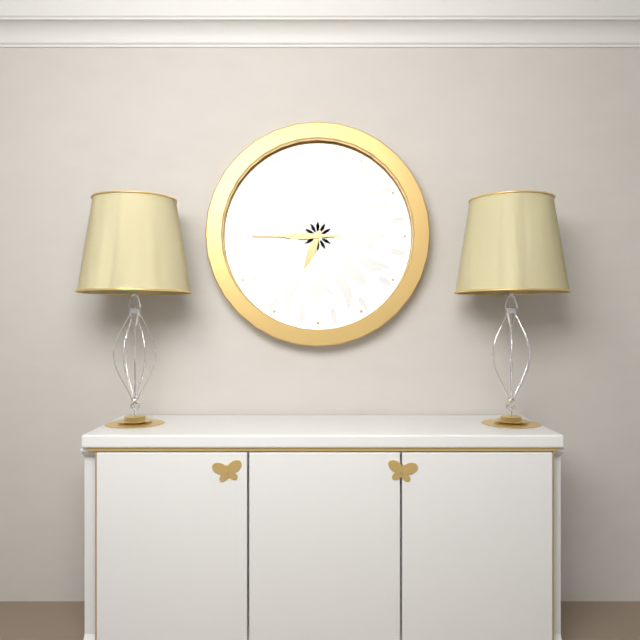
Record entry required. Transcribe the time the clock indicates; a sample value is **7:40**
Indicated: **6:45**
